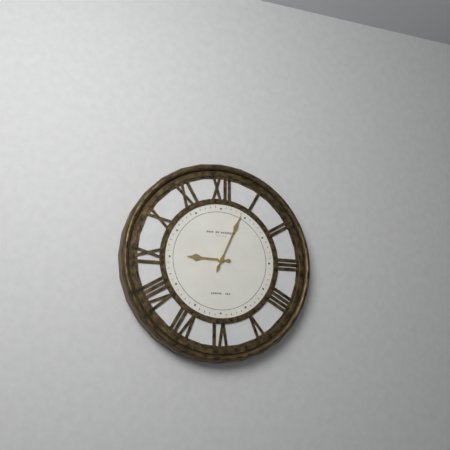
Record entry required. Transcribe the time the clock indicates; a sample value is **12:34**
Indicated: **9:04**
